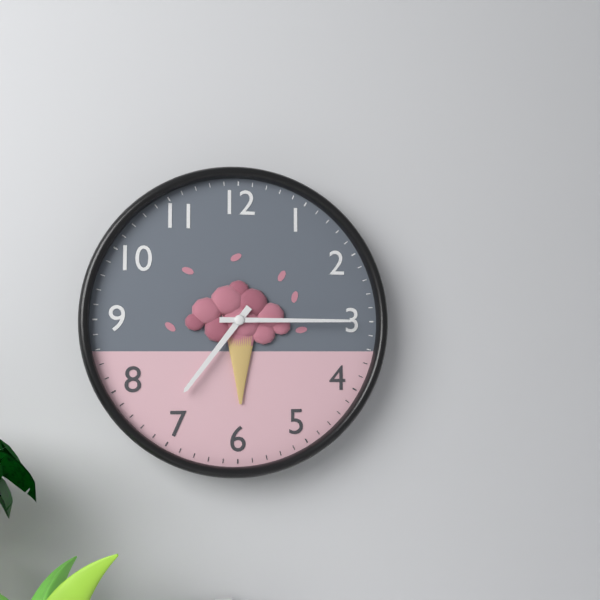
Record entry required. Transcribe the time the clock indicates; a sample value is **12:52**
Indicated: **7:15**
